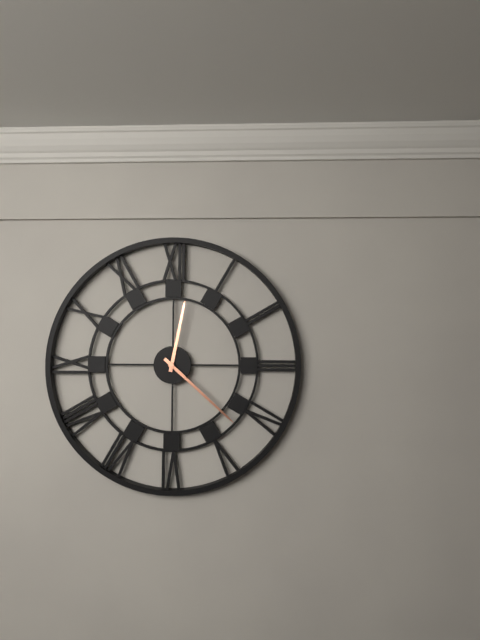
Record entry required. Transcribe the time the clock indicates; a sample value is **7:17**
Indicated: **12:22**
